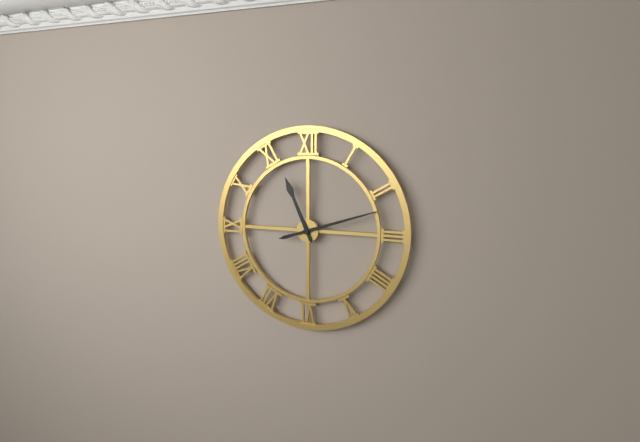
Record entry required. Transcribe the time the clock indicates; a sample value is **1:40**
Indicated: **11:12**
